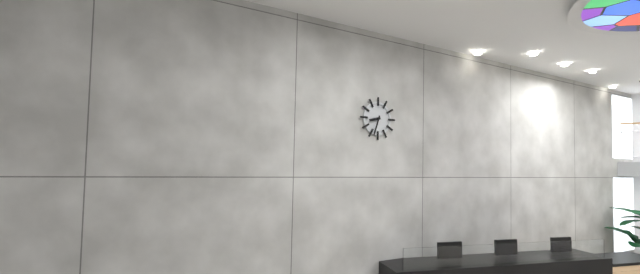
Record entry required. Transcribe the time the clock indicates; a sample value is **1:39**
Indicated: **8:33**
